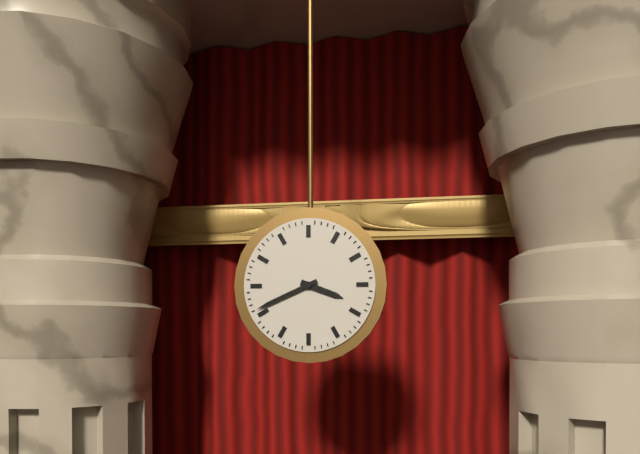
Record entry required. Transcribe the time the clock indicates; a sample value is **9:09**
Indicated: **3:41**
